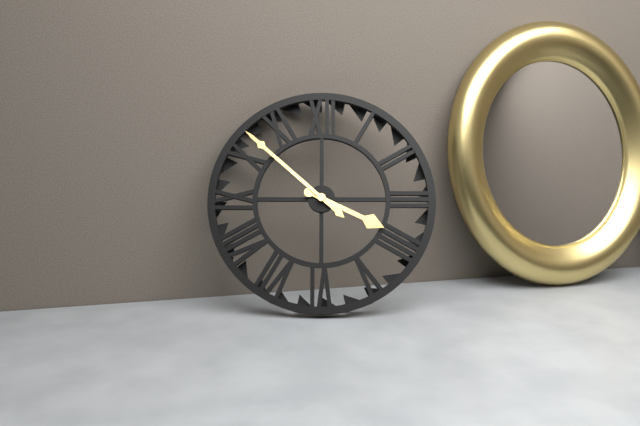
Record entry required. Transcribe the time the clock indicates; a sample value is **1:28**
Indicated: **3:52**
